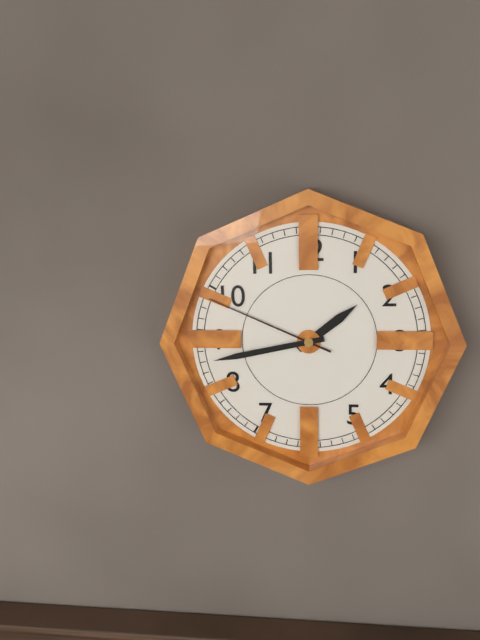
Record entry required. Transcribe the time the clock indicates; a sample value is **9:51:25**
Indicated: **1:43:49**
